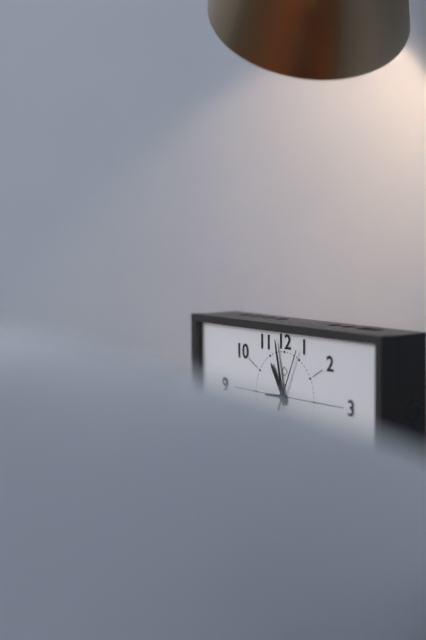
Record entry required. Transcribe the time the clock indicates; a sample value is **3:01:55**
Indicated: **10:58:04**
